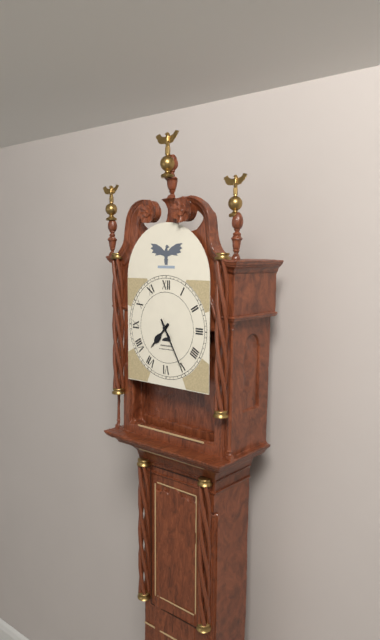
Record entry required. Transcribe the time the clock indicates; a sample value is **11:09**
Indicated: **7:25**
